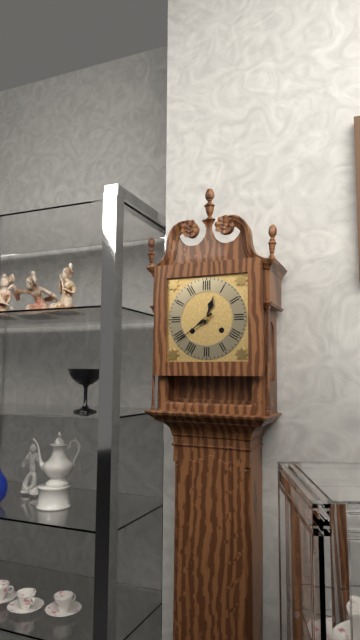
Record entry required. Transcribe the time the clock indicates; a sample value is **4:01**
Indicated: **12:39**
